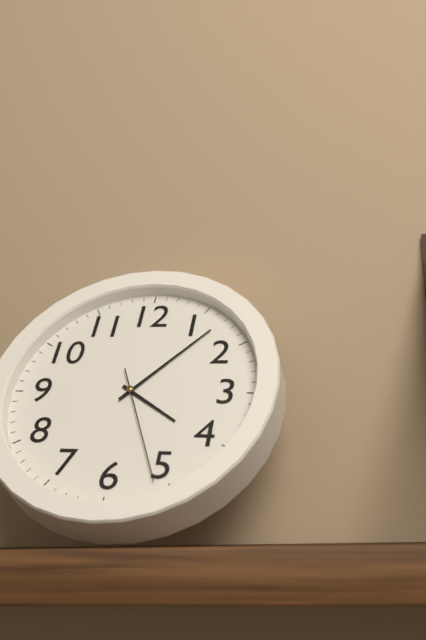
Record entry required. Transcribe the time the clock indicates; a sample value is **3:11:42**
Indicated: **4:07:26**
